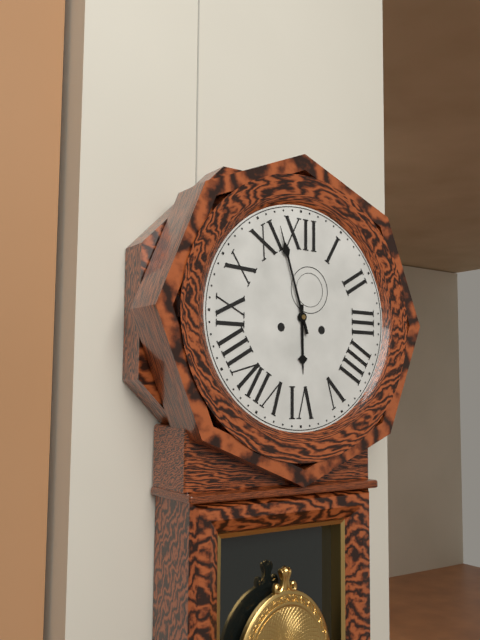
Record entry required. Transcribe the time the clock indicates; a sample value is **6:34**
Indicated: **5:57**
